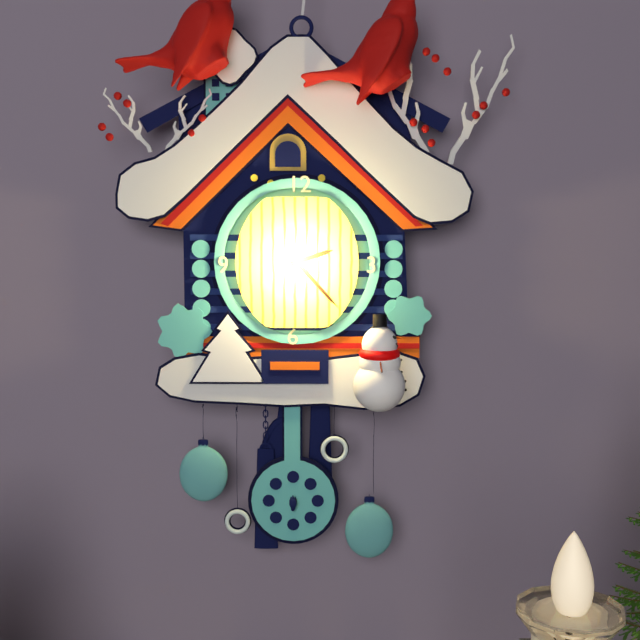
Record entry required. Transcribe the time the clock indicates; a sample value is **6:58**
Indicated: **2:23**
